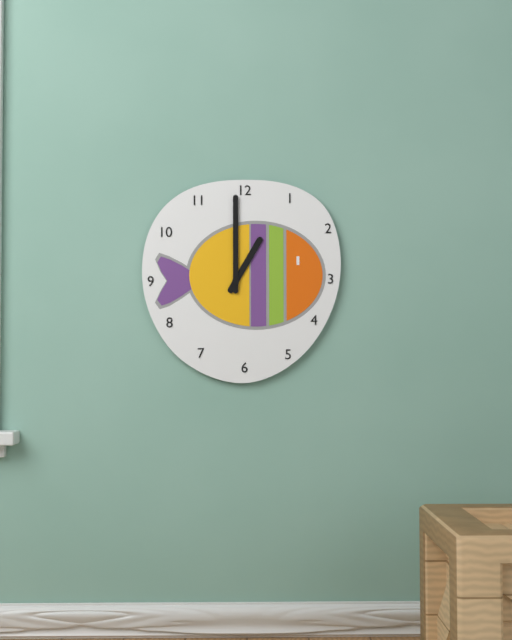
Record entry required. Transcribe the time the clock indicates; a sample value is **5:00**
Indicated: **1:00**
